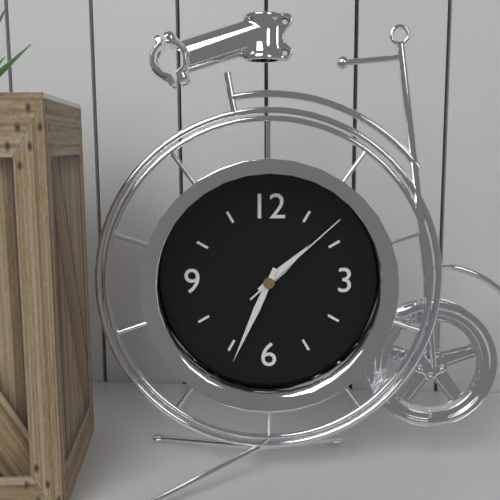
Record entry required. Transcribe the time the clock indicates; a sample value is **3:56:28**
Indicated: **1:34:08**
